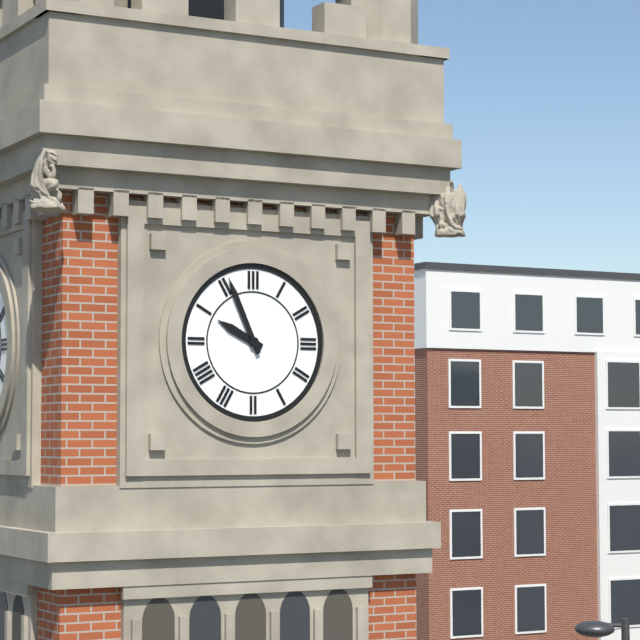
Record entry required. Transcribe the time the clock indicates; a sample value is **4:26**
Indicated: **9:56**
